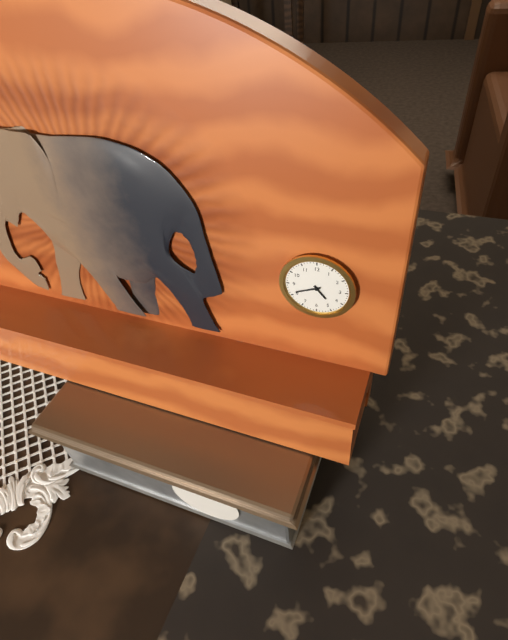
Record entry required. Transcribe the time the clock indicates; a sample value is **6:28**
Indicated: **4:41**
